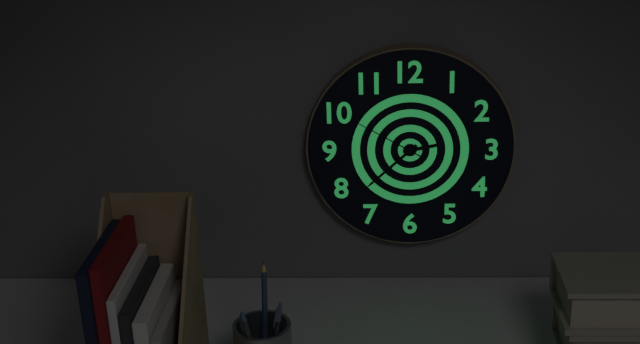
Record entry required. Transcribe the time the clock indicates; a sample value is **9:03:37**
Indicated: **2:38:50**
